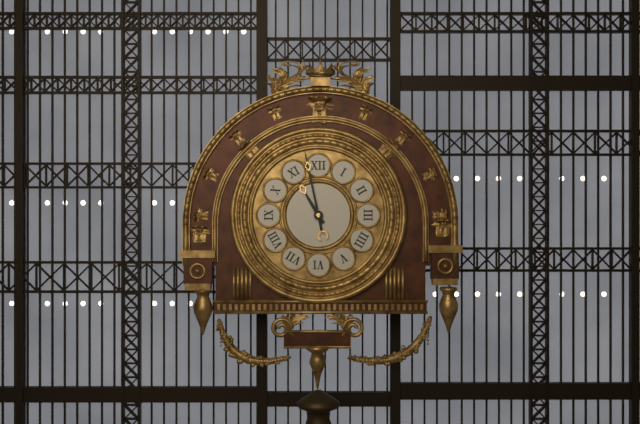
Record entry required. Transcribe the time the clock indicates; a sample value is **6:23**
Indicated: **10:58**
